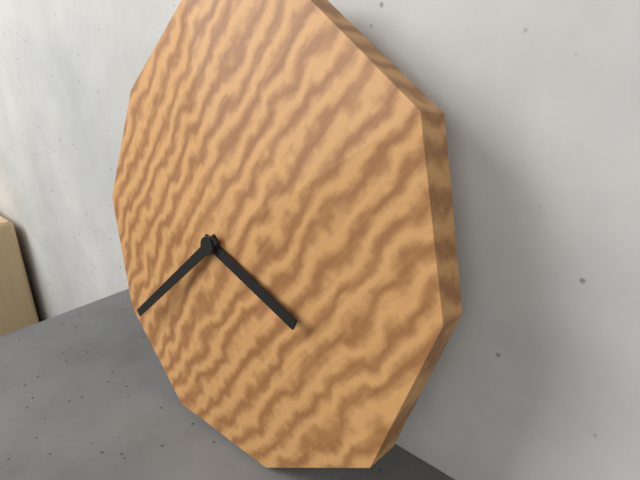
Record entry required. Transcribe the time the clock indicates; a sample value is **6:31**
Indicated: **3:38**
